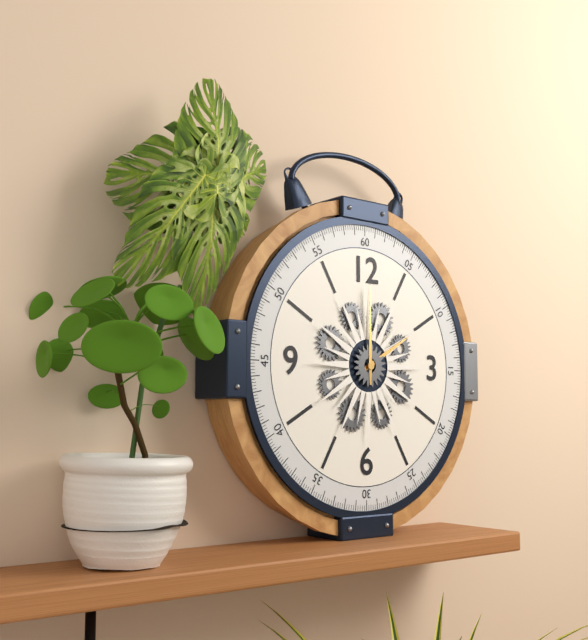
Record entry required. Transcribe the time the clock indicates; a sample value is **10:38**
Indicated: **2:00**
